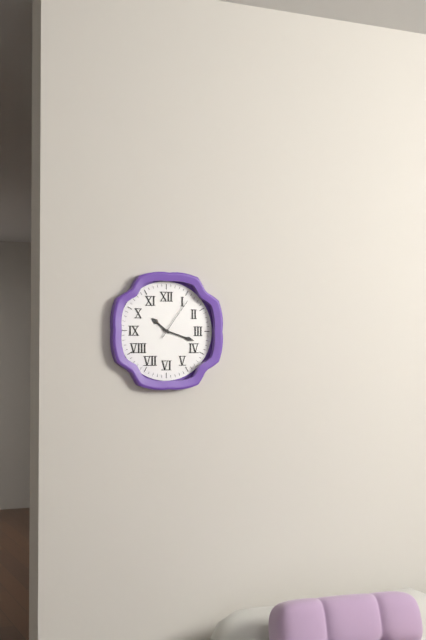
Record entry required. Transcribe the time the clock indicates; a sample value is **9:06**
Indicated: **10:18**
